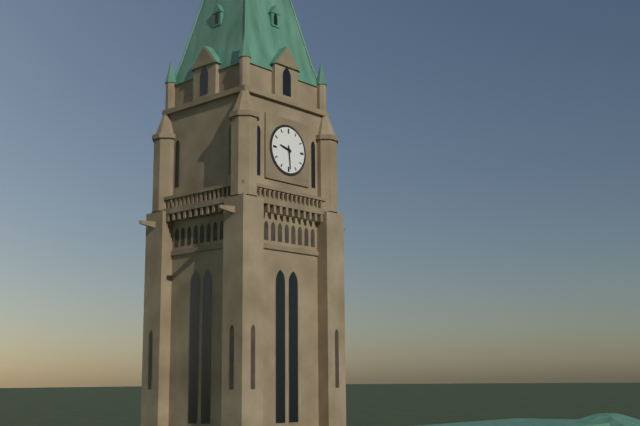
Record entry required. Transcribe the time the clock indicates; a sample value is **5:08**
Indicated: **9:29**
